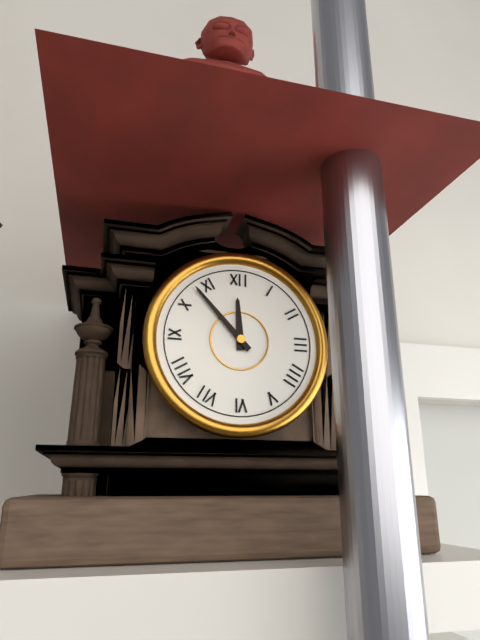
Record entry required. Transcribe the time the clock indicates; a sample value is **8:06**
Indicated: **11:53**
